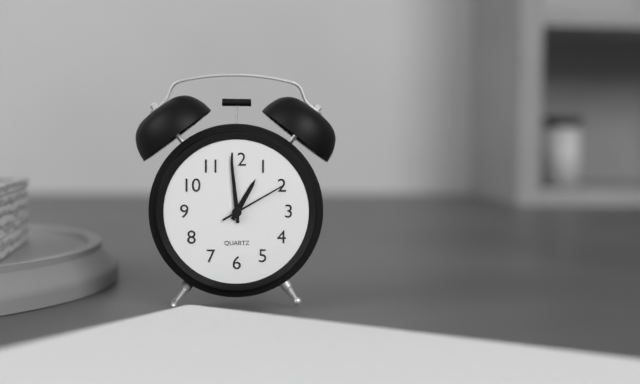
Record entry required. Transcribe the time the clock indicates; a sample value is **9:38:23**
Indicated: **12:59:10**
